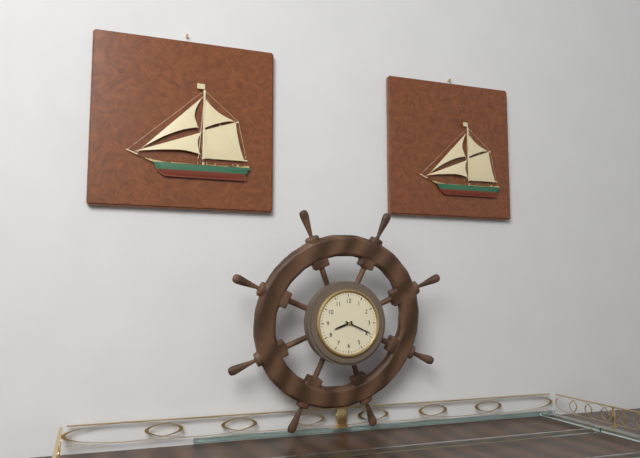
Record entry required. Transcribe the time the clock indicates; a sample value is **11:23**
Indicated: **8:19**
